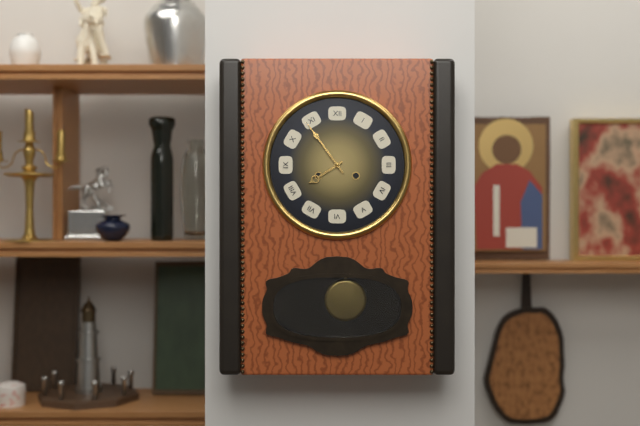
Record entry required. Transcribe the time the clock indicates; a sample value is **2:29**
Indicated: **7:54**
